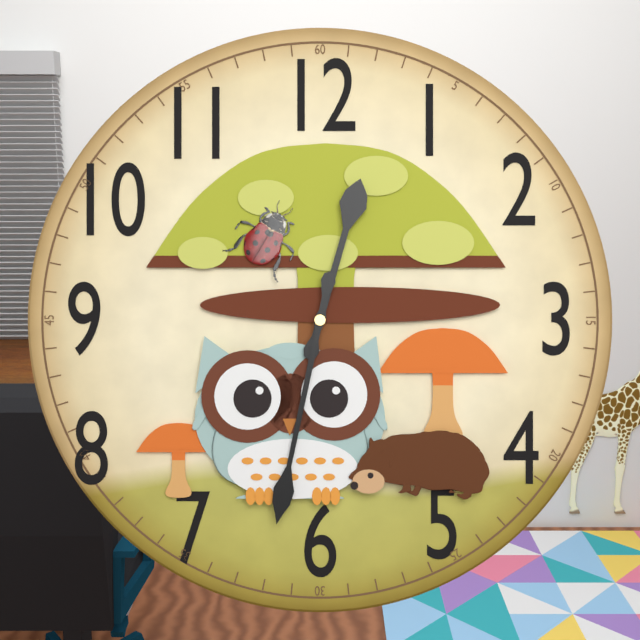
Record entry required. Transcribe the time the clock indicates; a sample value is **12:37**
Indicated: **12:32**
